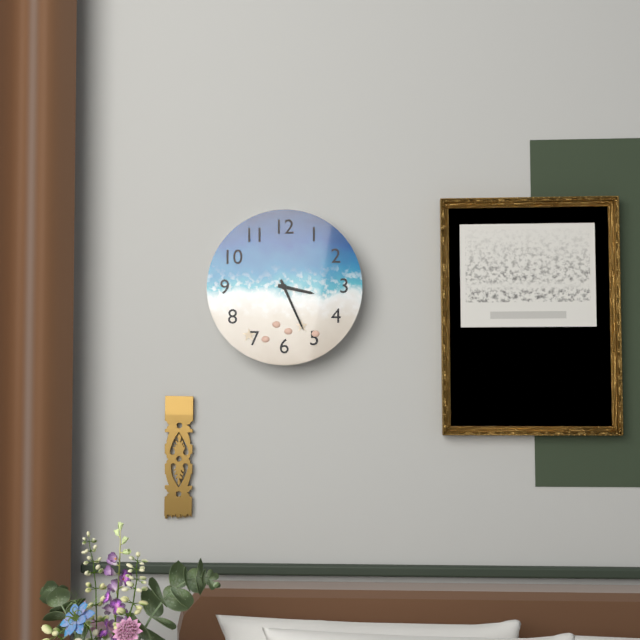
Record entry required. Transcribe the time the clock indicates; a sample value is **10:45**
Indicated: **3:26**
